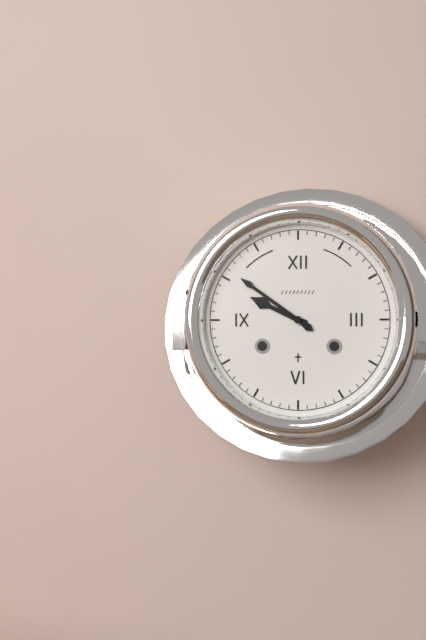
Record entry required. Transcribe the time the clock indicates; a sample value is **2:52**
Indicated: **9:51**
